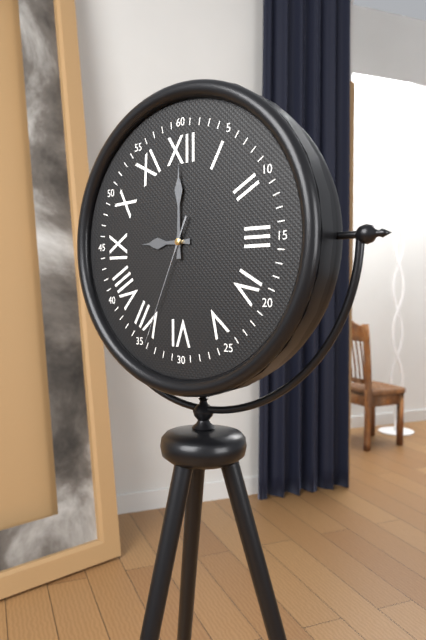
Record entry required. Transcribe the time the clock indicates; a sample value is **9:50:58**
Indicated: **9:00:34**
